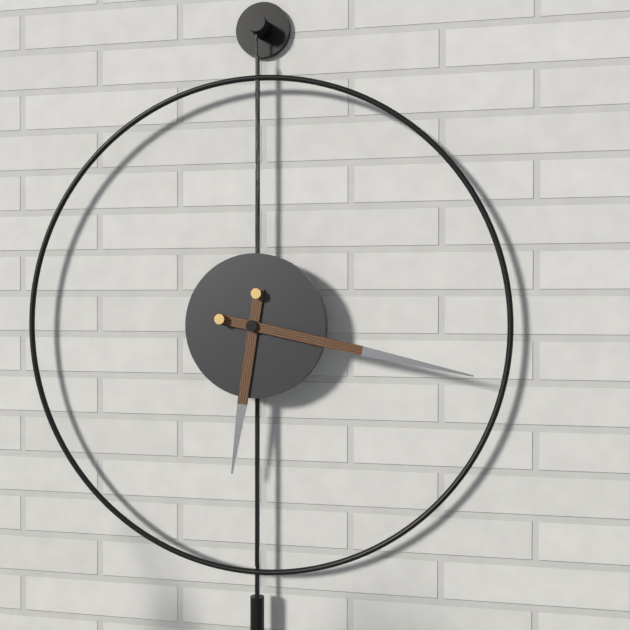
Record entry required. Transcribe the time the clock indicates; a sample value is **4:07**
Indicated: **6:17**
